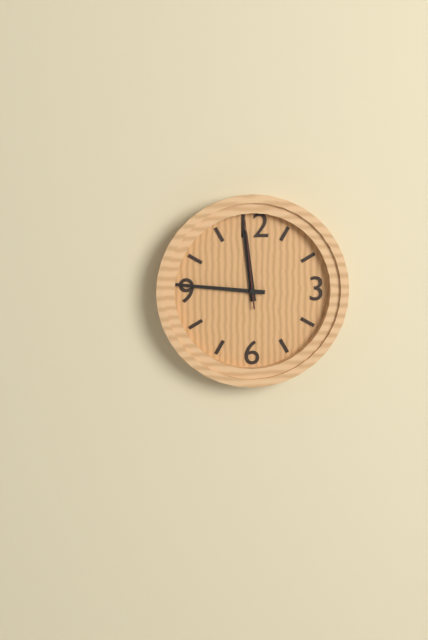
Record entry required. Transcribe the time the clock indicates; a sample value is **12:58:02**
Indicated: **11:46:59**
